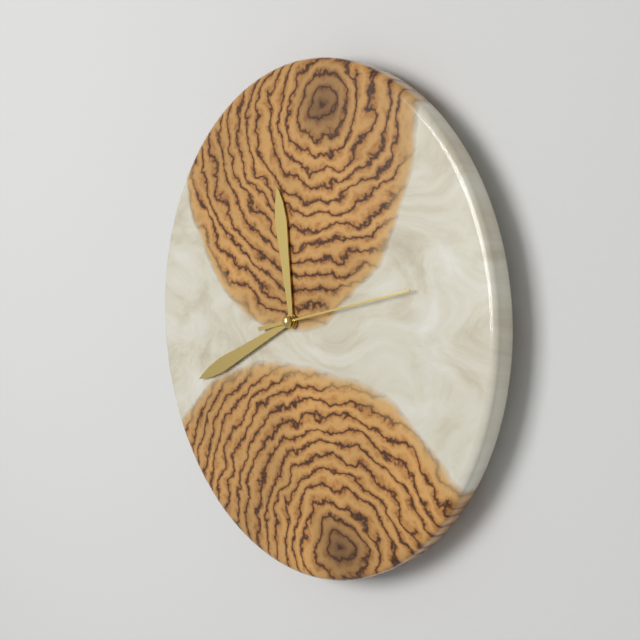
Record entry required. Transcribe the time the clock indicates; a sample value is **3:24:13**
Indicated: **11:41:13**
